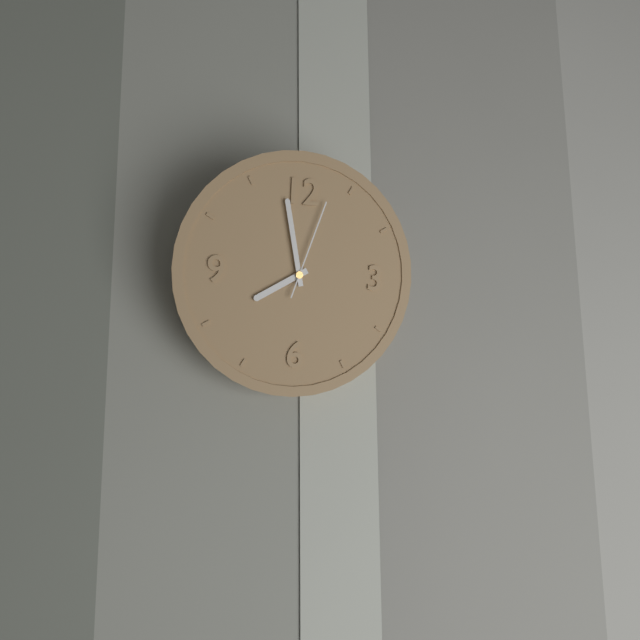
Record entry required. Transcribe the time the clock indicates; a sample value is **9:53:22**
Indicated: **7:58:03**
